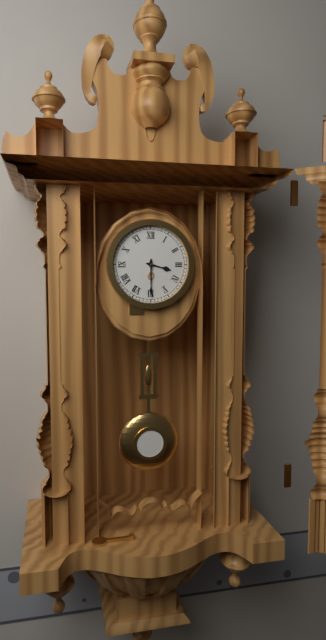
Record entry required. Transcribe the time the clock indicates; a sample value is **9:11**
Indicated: **3:30**
